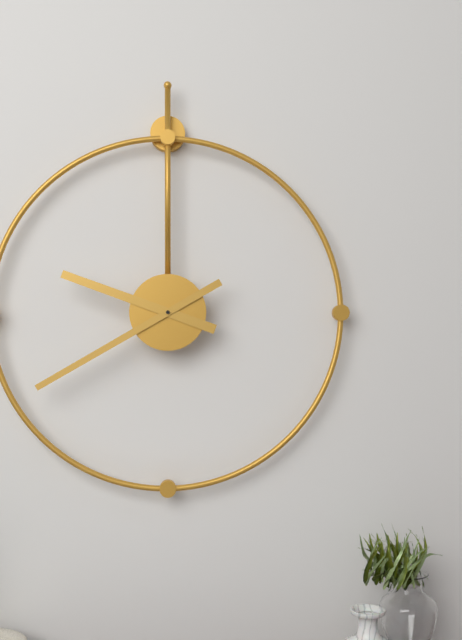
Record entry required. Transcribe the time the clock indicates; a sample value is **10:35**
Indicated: **9:40**
